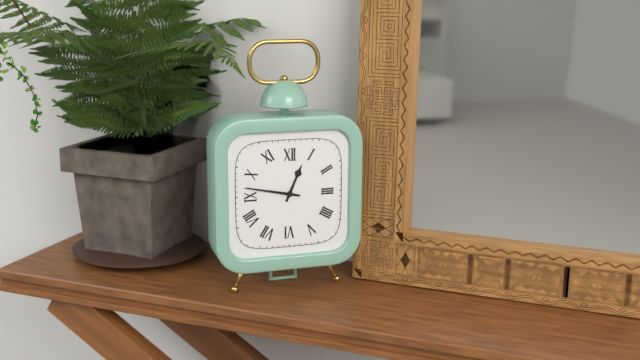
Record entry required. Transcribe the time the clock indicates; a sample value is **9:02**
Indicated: **12:47**
